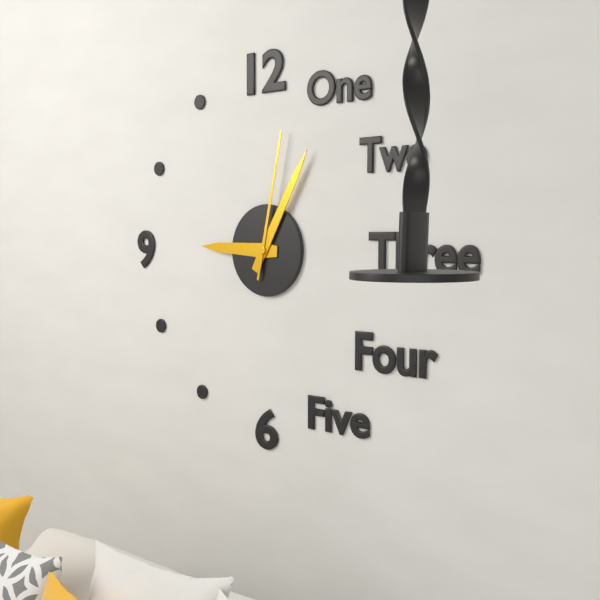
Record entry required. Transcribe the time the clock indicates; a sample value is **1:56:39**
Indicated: **9:05:02**
